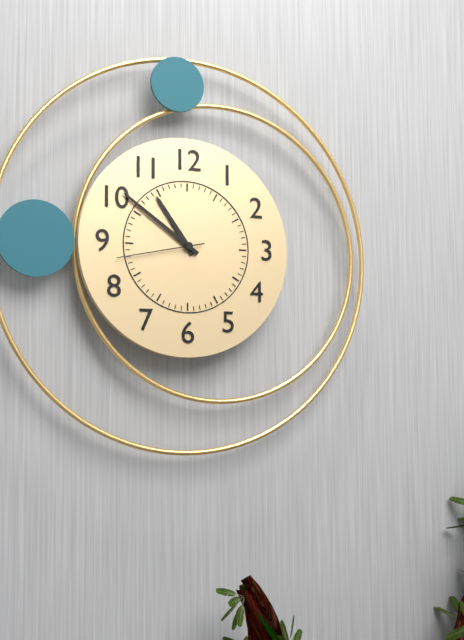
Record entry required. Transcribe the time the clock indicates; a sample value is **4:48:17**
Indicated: **10:51:43**
